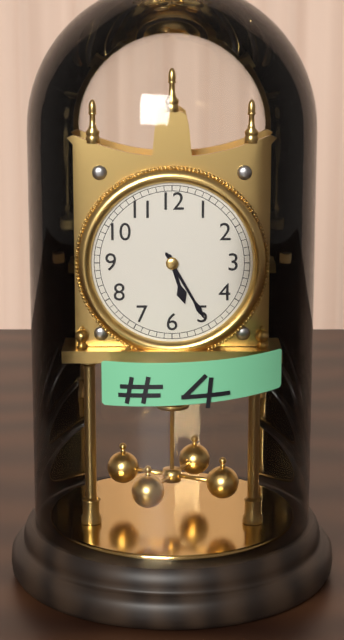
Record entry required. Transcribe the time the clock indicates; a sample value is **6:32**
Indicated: **5:25**
